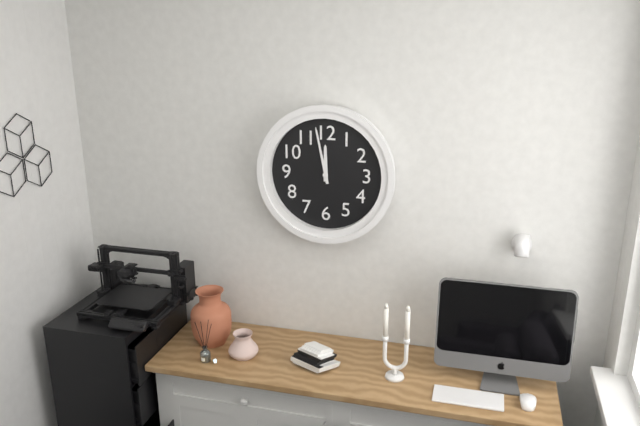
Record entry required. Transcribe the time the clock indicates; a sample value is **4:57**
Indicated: **11:58**
